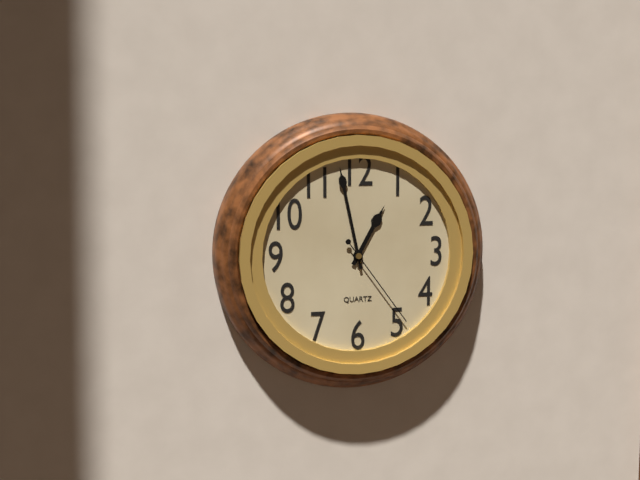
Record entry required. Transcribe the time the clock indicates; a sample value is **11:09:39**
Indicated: **12:58:24**
